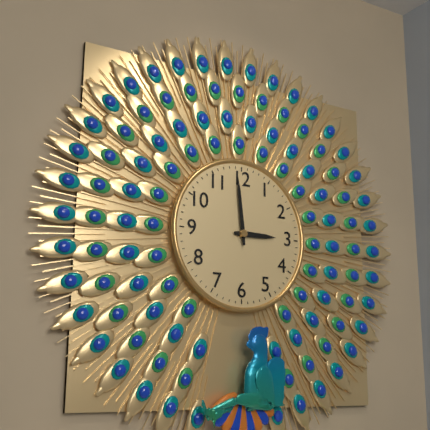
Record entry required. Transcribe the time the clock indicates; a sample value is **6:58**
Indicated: **2:59**
